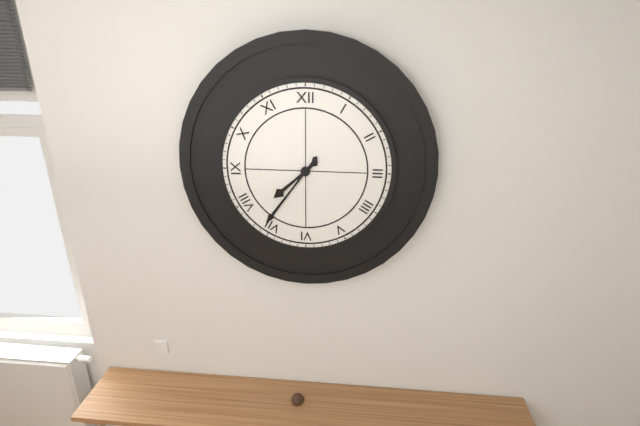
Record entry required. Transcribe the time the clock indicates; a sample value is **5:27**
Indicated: **7:36**
